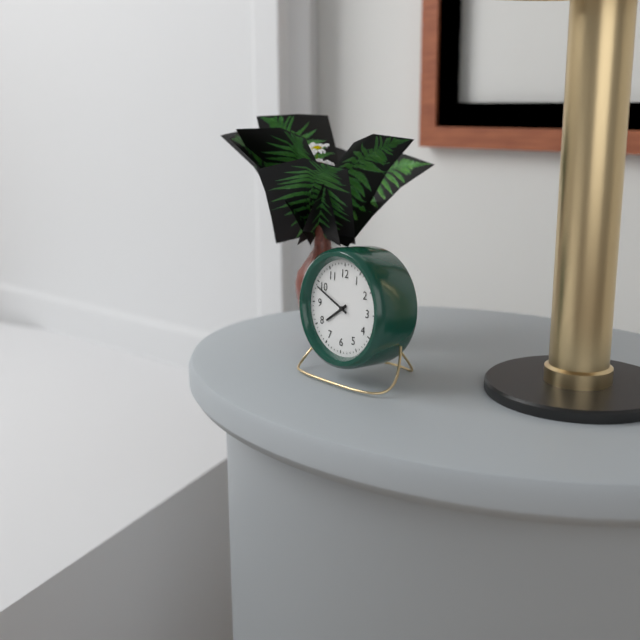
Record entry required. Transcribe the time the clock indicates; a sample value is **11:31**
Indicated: **7:49**
